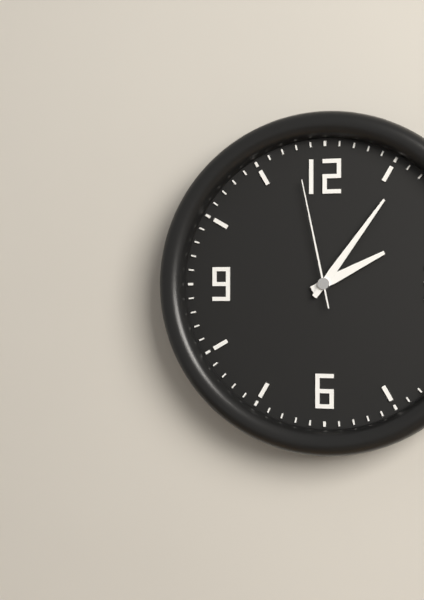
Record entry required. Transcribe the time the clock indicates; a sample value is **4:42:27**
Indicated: **2:06:58**
